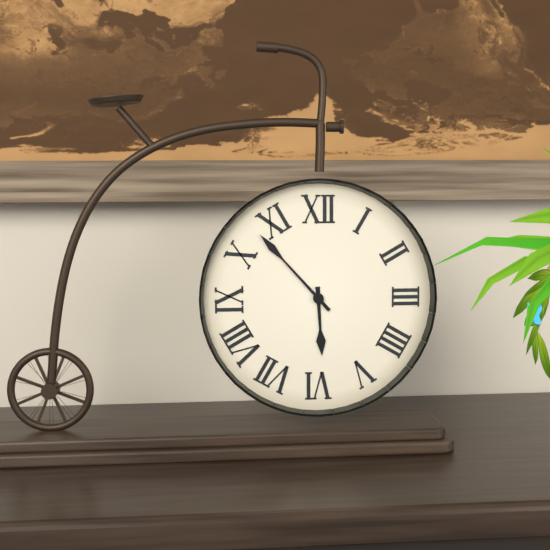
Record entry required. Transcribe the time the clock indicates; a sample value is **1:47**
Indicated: **5:53**
